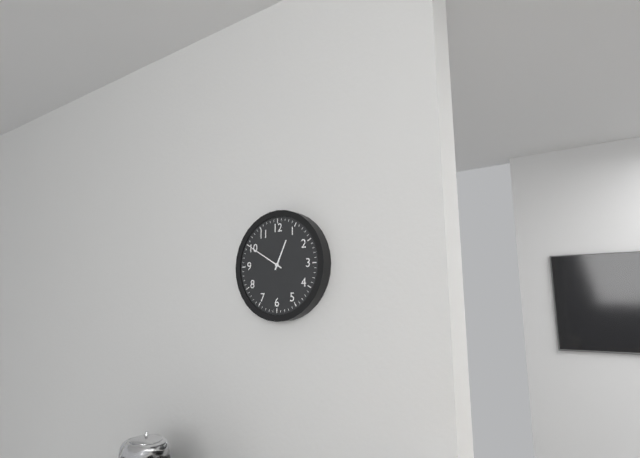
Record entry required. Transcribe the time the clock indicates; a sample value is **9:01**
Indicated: **12:50**
